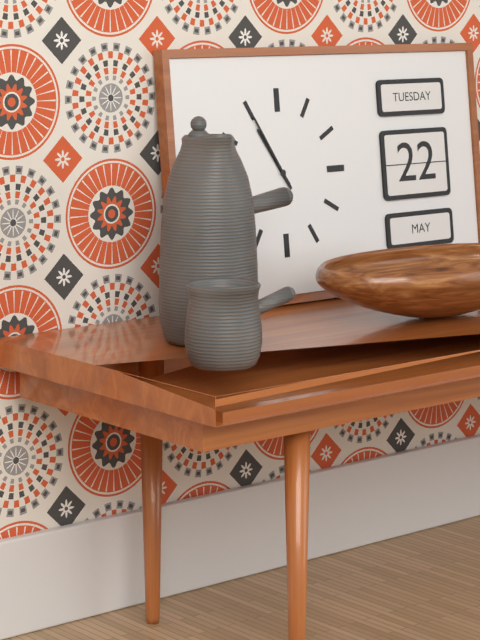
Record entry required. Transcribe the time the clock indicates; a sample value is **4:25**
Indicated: **10:55**
